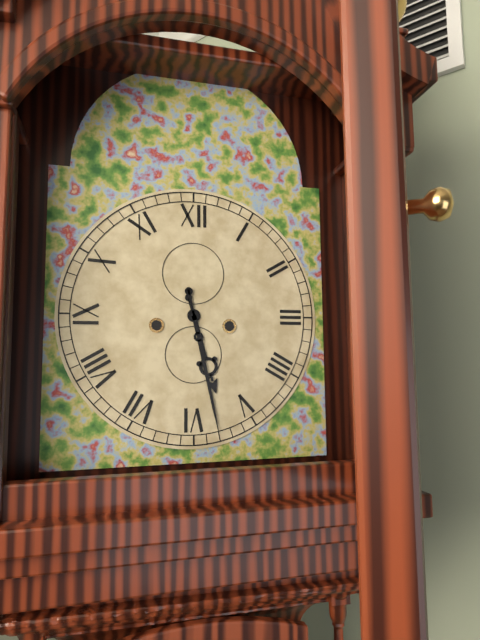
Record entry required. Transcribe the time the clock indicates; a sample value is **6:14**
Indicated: **5:28**
